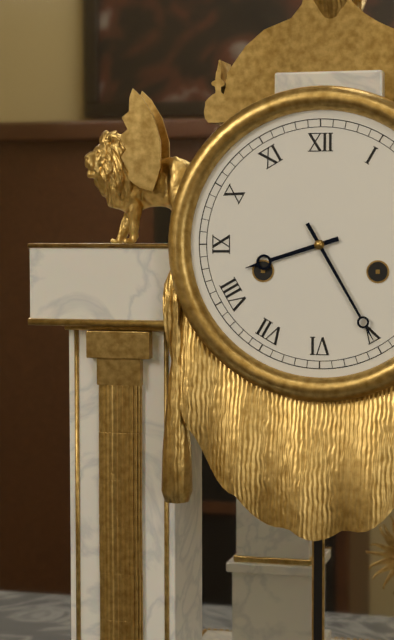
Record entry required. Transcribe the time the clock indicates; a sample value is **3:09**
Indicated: **8:25**
